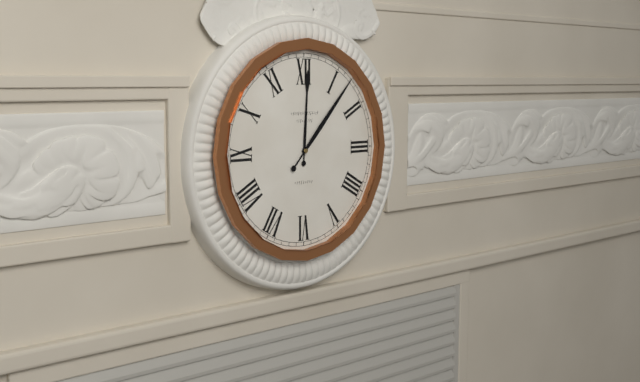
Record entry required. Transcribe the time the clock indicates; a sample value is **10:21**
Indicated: **12:07**
